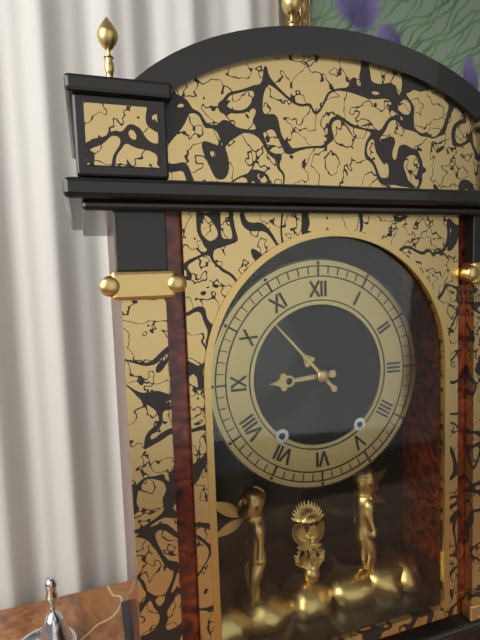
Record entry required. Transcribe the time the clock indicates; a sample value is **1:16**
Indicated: **8:53**
